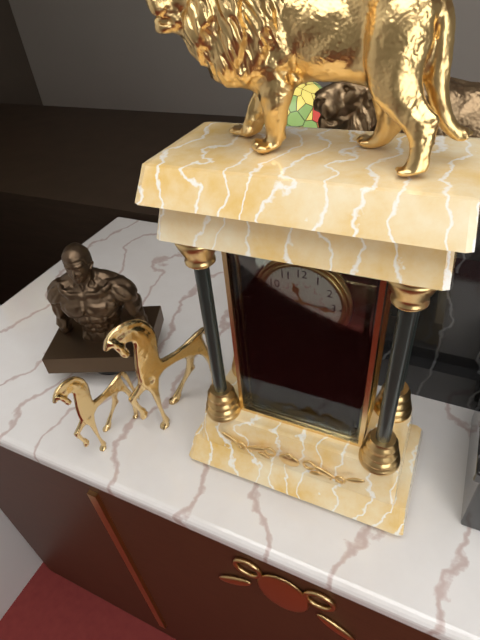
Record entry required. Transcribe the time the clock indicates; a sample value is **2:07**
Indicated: **11:16**
